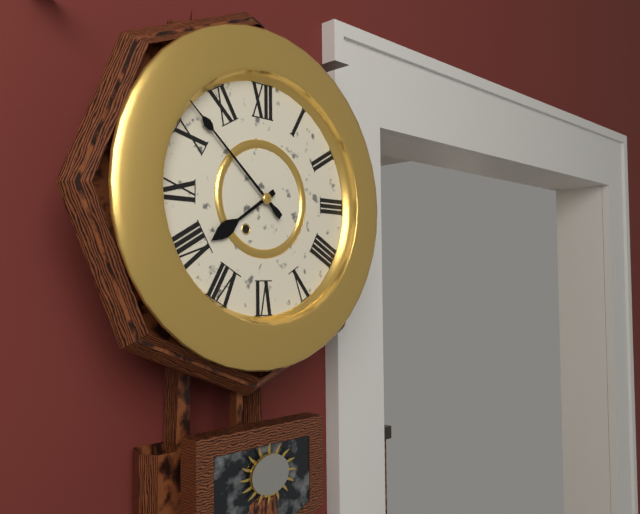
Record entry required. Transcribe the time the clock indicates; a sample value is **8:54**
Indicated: **7:52**
